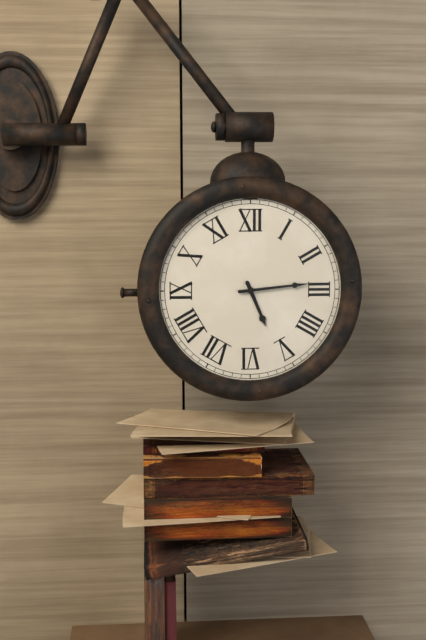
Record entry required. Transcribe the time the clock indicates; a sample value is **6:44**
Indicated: **5:14**
